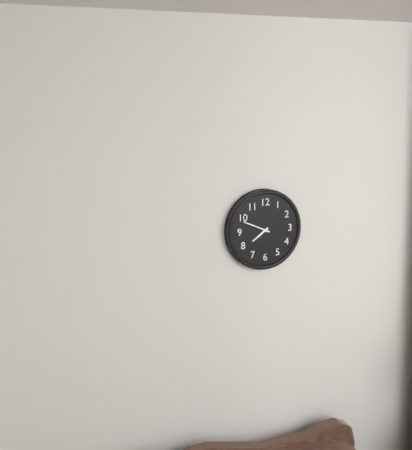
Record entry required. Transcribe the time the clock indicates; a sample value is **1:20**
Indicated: **7:49**
